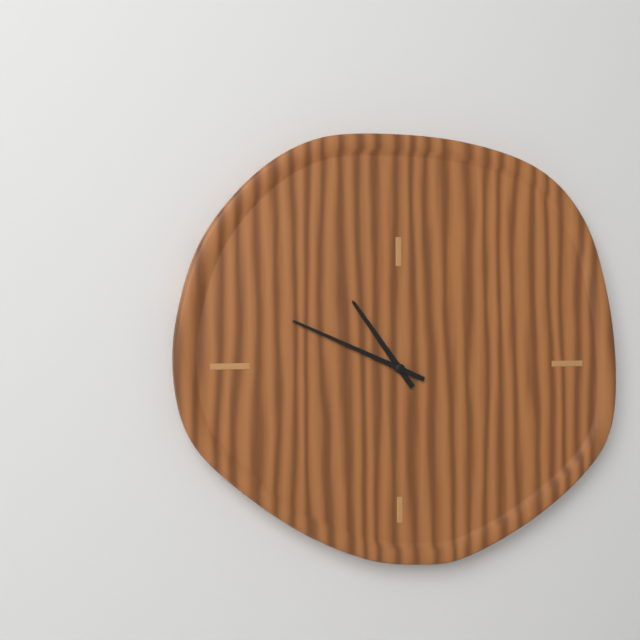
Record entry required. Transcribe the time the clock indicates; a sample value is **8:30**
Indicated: **10:49**
